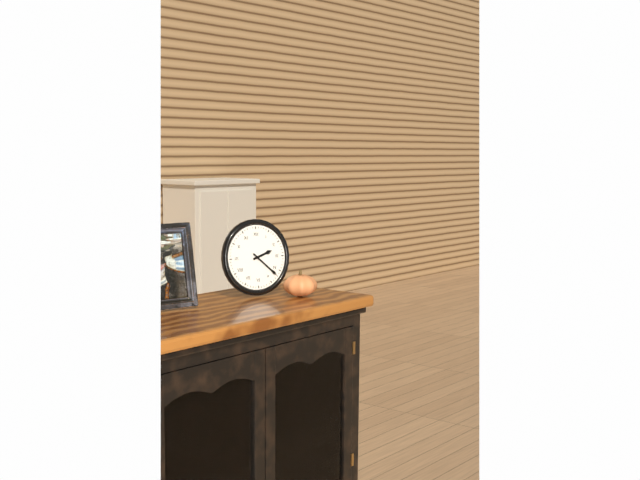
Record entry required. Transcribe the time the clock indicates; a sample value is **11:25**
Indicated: **2:22**
